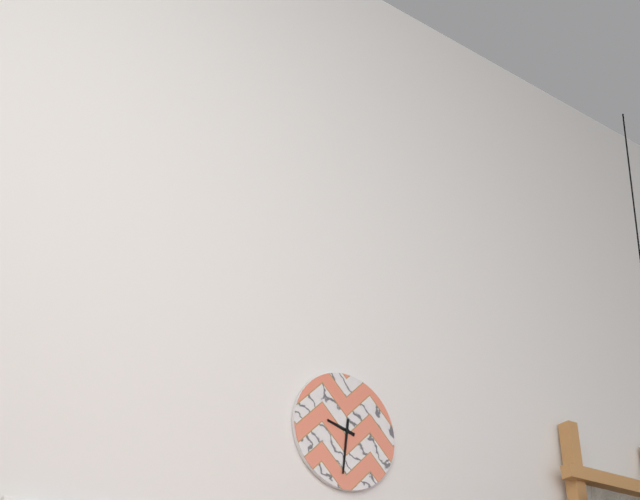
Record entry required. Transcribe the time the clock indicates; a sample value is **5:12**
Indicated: **9:31**
